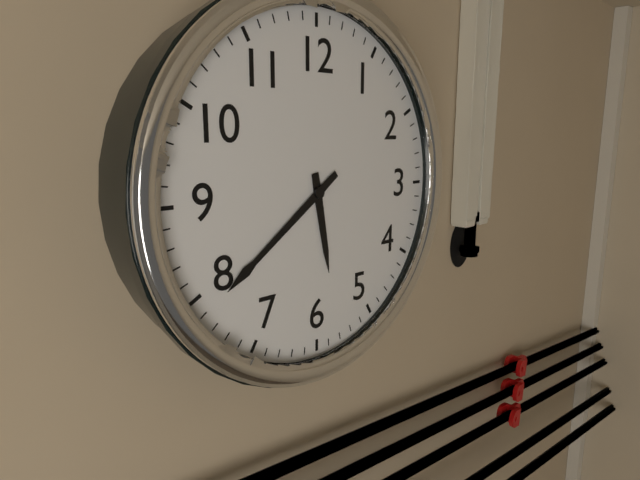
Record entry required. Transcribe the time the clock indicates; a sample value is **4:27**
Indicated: **5:39**
